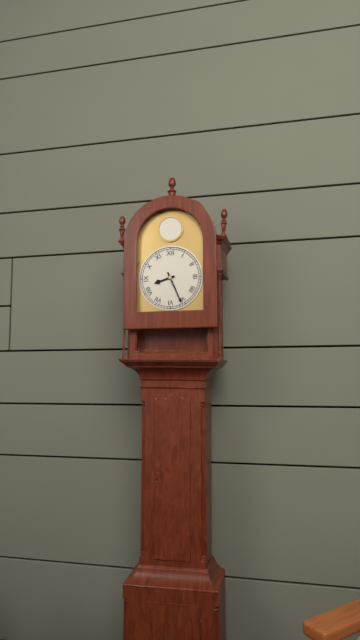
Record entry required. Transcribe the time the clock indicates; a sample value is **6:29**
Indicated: **8:26**
